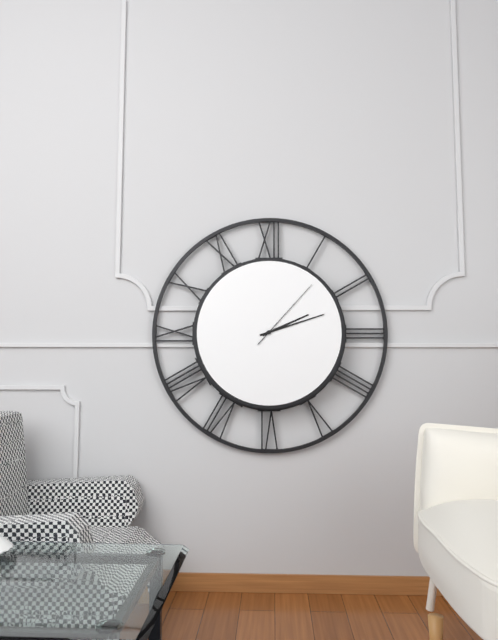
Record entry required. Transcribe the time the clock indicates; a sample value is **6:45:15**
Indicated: **2:12:07**
